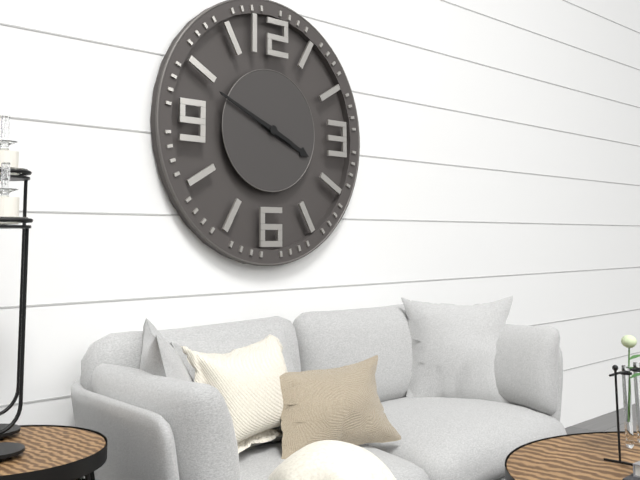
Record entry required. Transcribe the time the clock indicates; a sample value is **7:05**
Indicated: **3:49**
